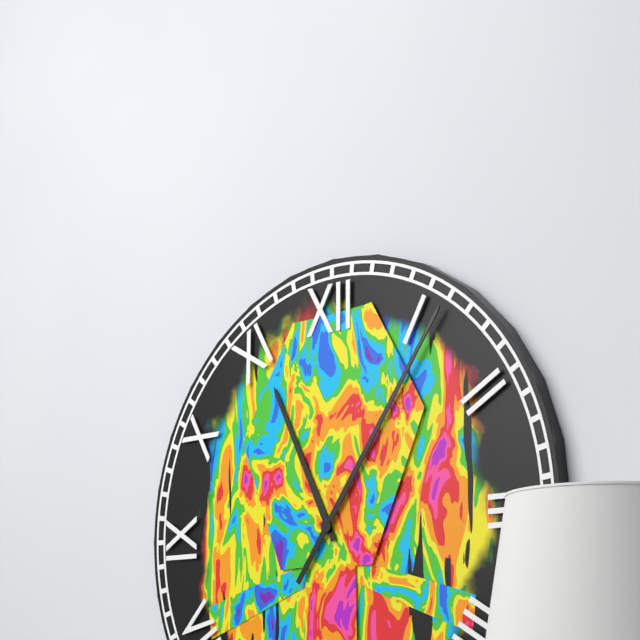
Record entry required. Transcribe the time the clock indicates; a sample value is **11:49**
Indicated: **11:06**
